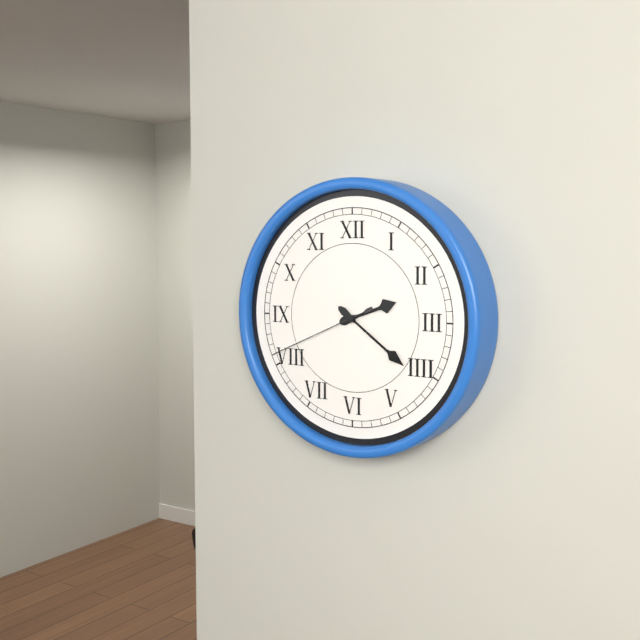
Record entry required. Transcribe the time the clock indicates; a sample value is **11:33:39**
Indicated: **2:21:41**
